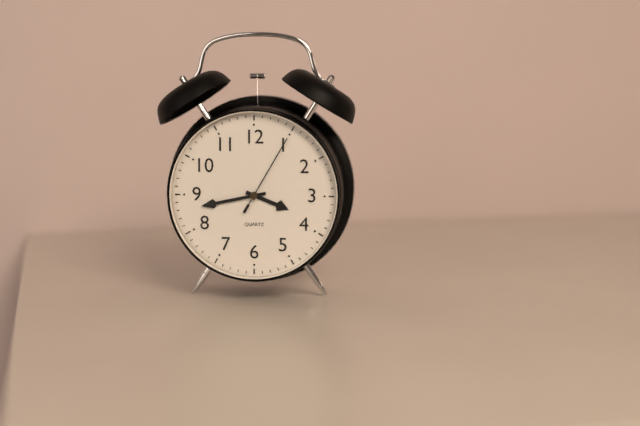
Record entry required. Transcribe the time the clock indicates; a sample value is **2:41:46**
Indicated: **3:43:05**
